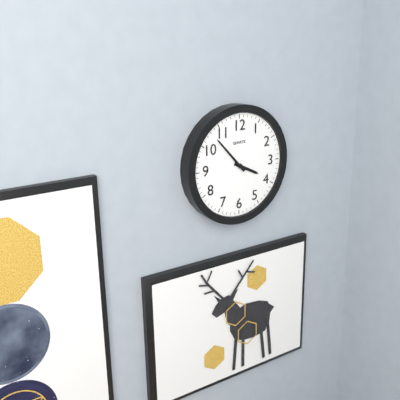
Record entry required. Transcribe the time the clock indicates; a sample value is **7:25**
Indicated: **3:53**
